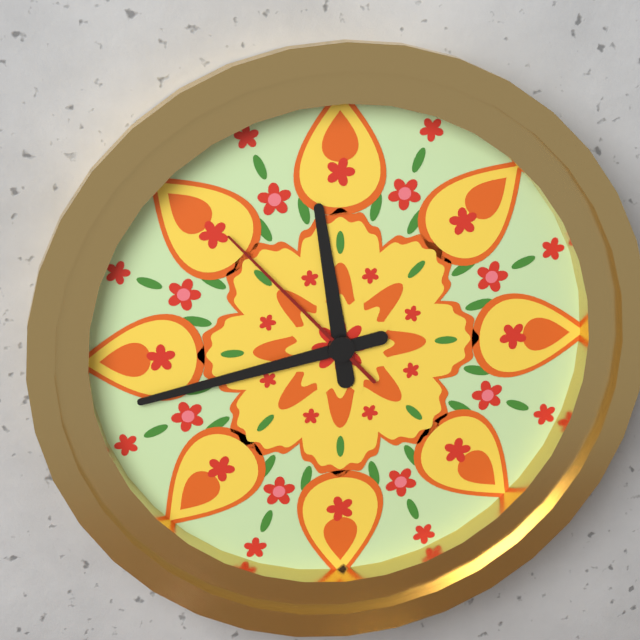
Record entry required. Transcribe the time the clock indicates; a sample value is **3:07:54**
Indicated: **11:43:53**
